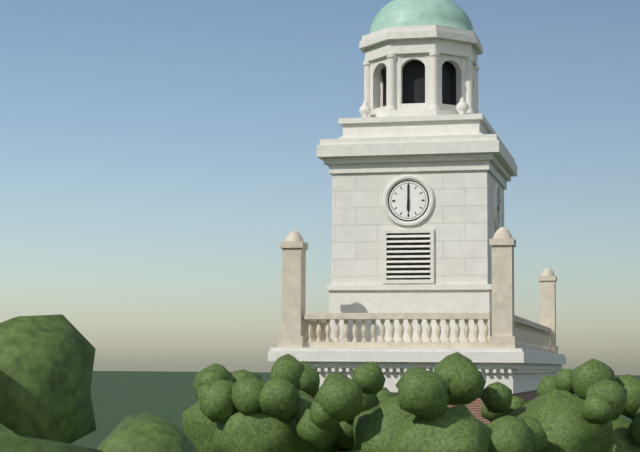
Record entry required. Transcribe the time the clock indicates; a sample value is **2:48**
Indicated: **6:00**
